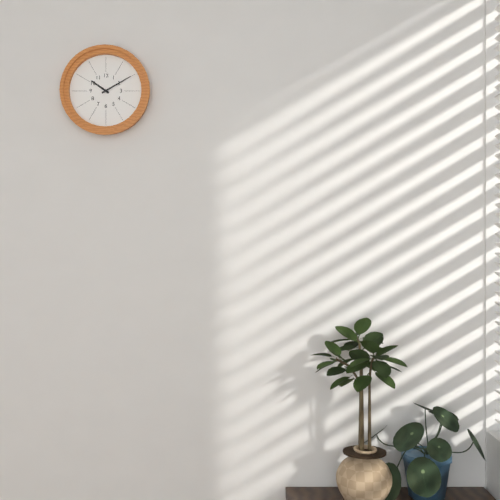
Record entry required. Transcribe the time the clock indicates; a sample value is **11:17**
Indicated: **10:10**
